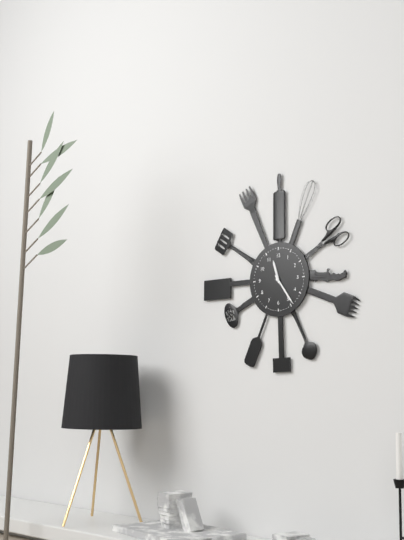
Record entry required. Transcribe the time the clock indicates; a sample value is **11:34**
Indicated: **11:24**
